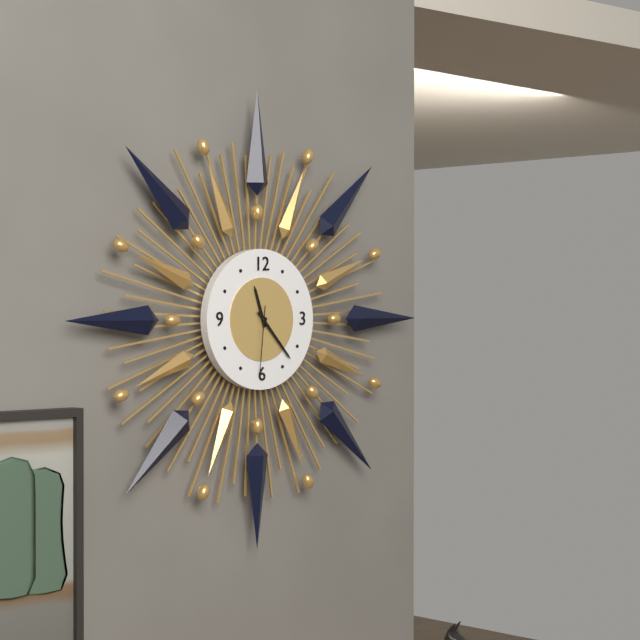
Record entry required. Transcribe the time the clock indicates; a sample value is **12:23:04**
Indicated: **11:23:31**
